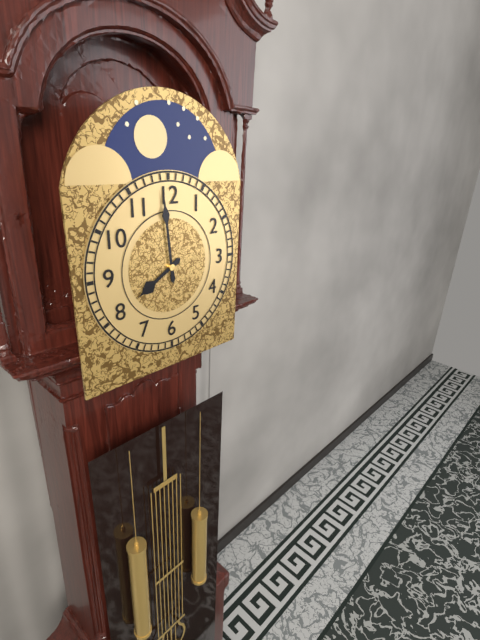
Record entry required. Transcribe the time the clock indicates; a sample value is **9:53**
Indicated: **7:59**
